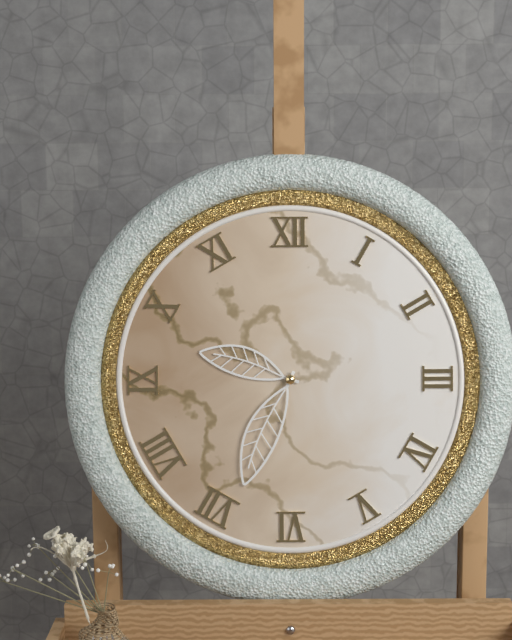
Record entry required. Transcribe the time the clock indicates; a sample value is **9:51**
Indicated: **9:34**
